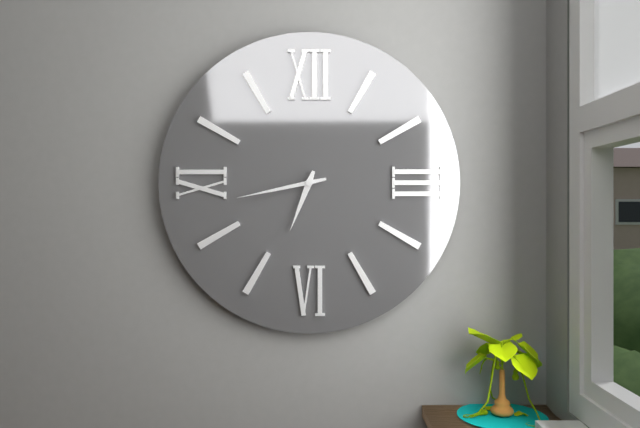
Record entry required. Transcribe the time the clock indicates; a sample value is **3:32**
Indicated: **6:43**
